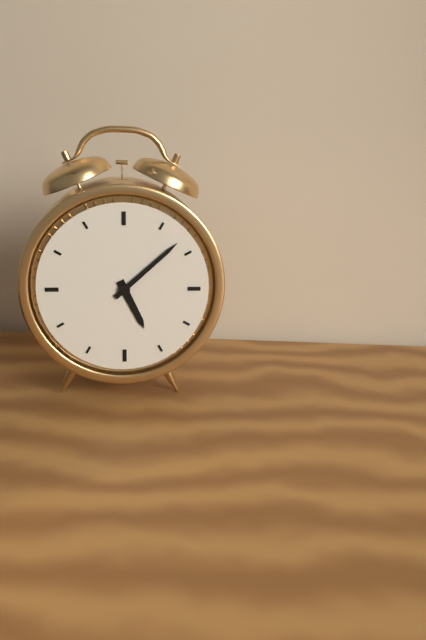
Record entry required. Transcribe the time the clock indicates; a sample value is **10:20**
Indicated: **5:08**
